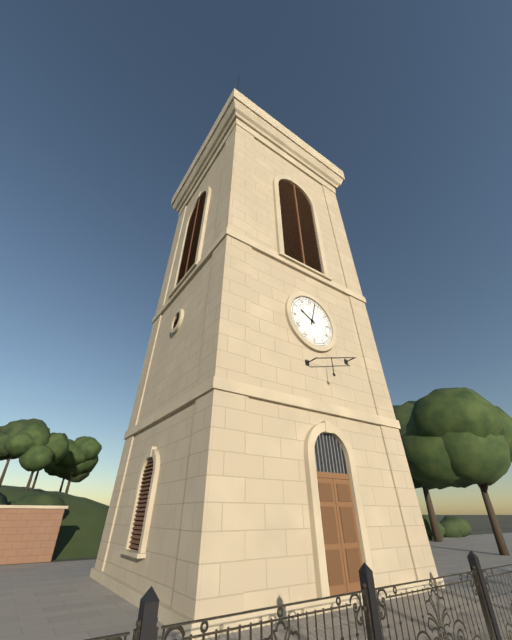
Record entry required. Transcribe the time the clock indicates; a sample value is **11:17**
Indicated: **10:03**
